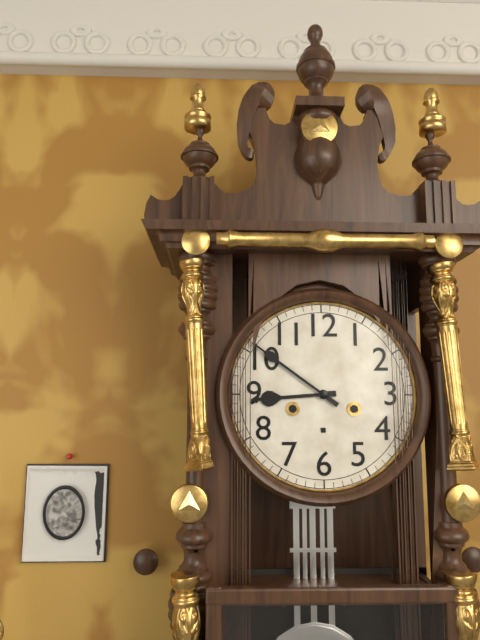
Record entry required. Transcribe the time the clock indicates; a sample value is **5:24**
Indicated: **8:51**
